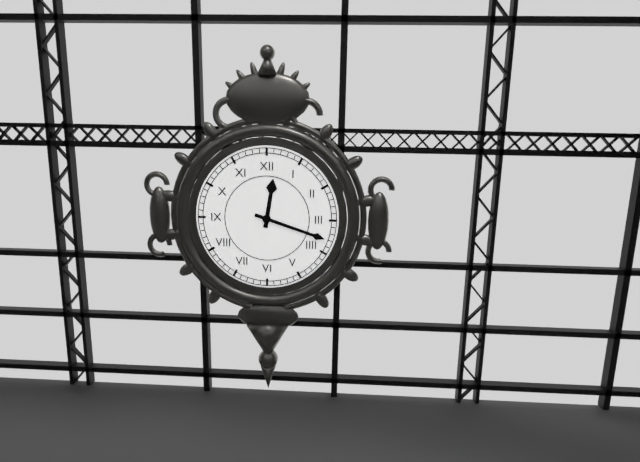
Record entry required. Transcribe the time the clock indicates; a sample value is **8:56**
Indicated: **12:18**
